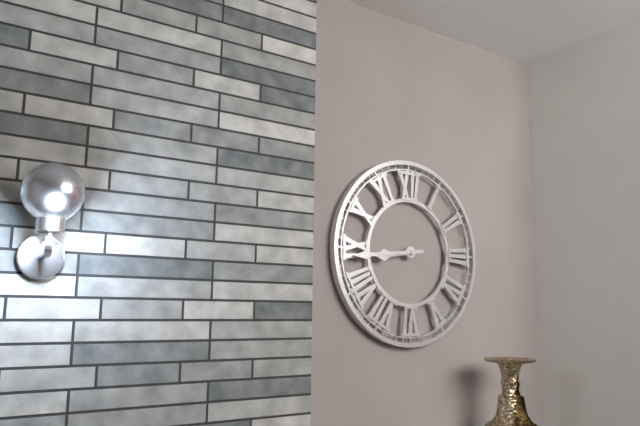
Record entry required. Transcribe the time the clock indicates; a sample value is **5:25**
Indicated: **8:44**
